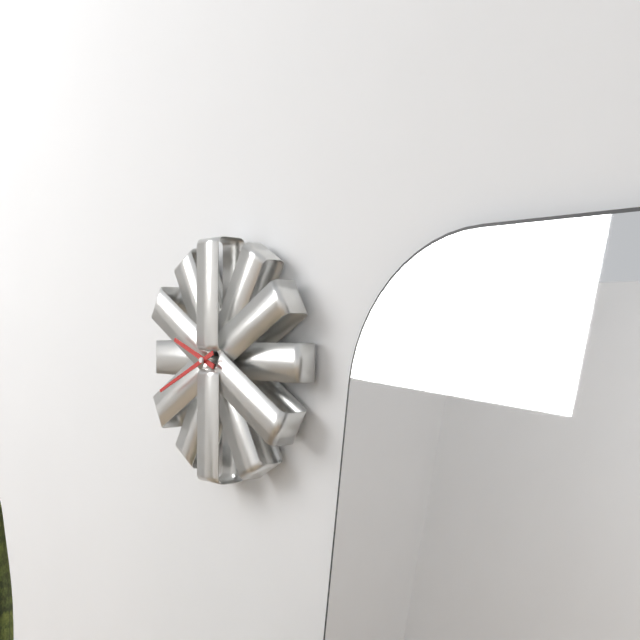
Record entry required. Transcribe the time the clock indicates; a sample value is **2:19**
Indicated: **9:41**
